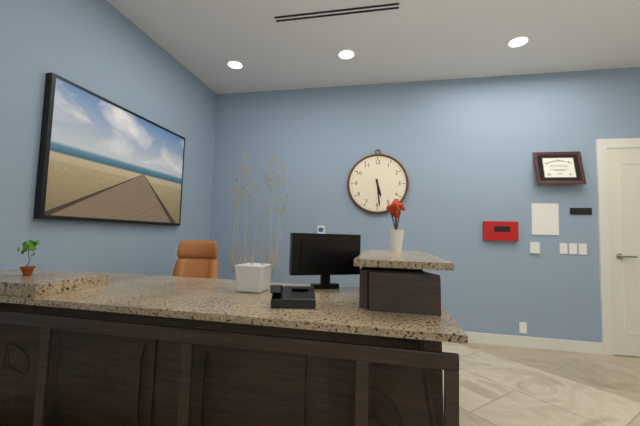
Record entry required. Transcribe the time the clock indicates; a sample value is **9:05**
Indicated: **5:29**
